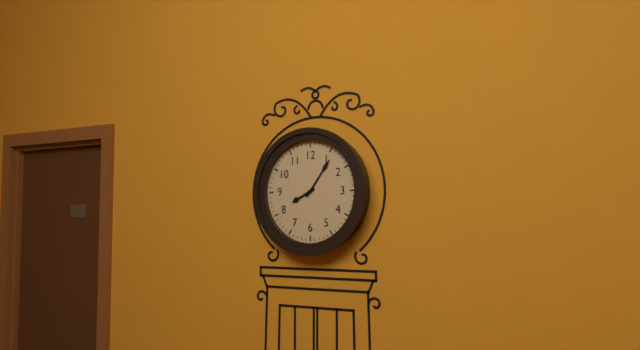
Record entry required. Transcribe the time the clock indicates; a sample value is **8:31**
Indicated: **8:06**
